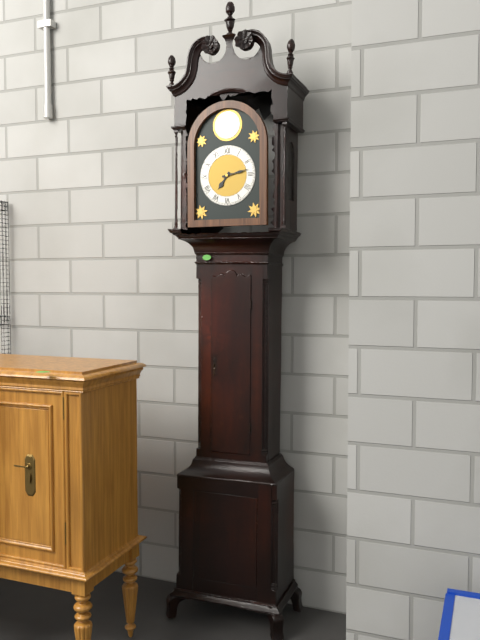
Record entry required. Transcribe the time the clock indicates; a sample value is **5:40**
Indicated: **7:13**
